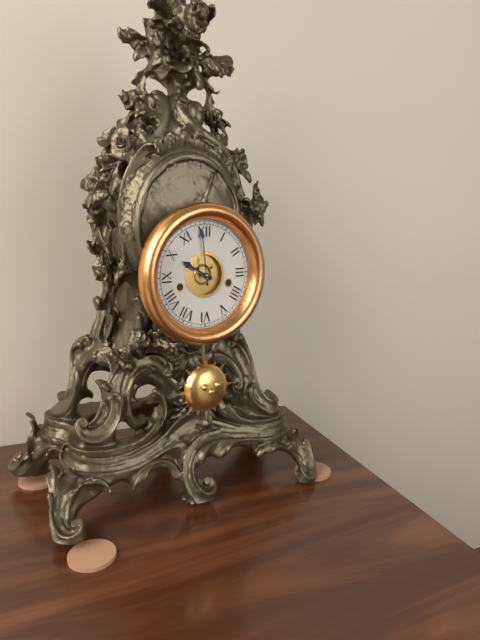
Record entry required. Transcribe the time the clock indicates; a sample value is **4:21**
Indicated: **9:59**
